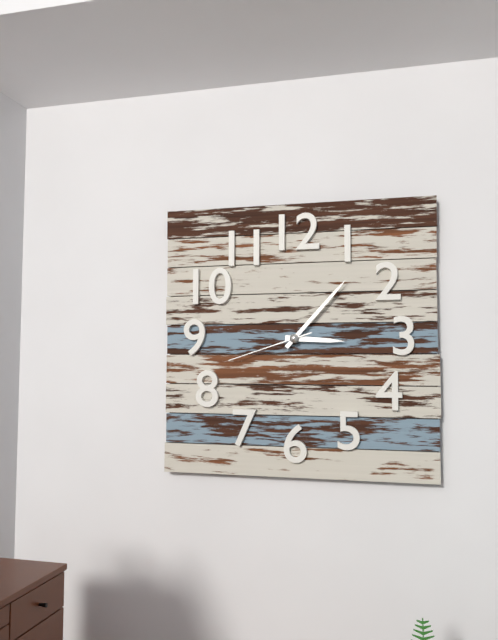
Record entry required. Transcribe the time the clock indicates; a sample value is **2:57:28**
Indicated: **3:07:42**
